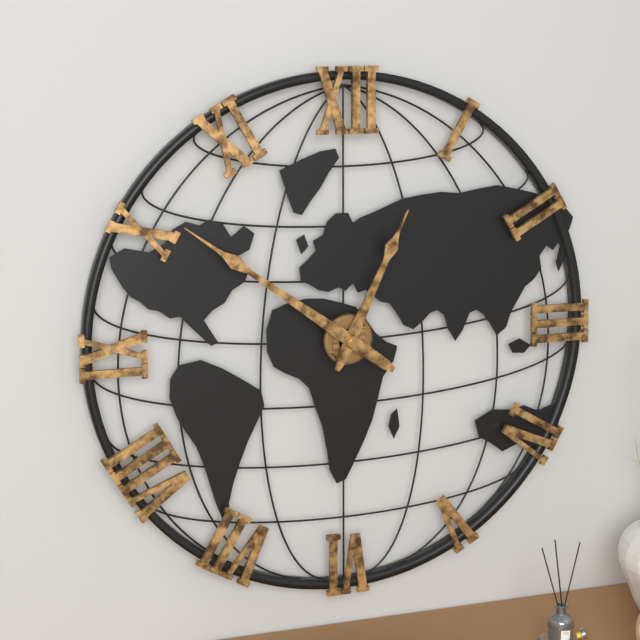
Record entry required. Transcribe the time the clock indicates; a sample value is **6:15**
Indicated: **12:51**
